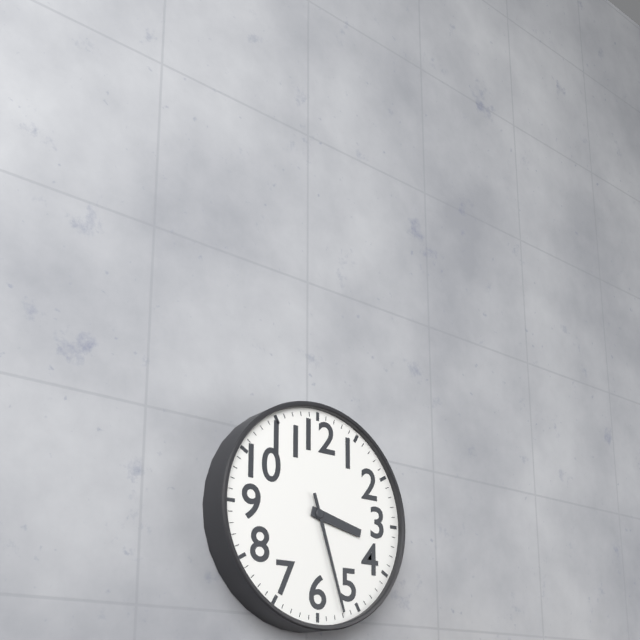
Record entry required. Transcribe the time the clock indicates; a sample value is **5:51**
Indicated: **3:27**
